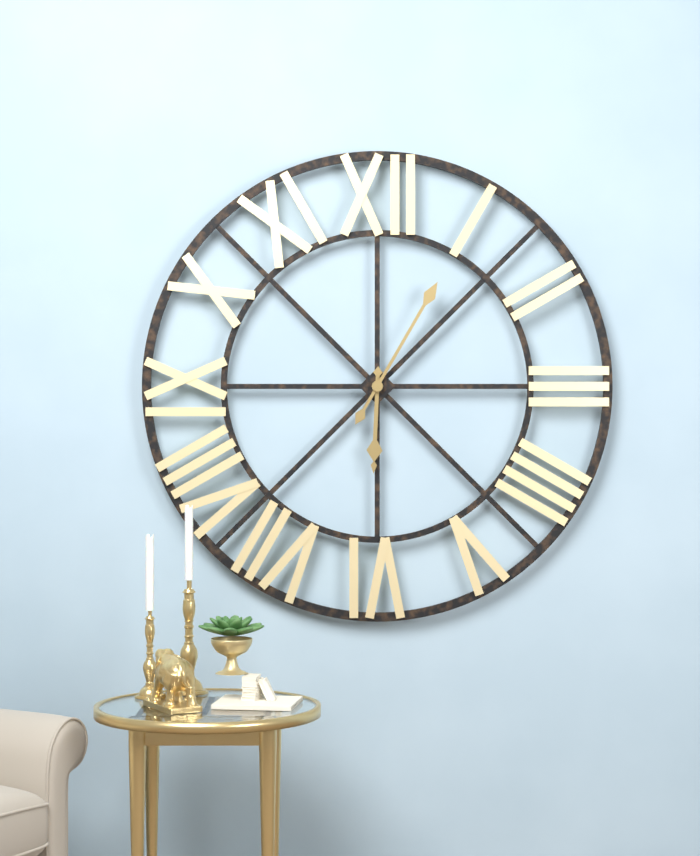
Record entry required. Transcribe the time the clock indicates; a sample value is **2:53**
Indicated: **6:05**
